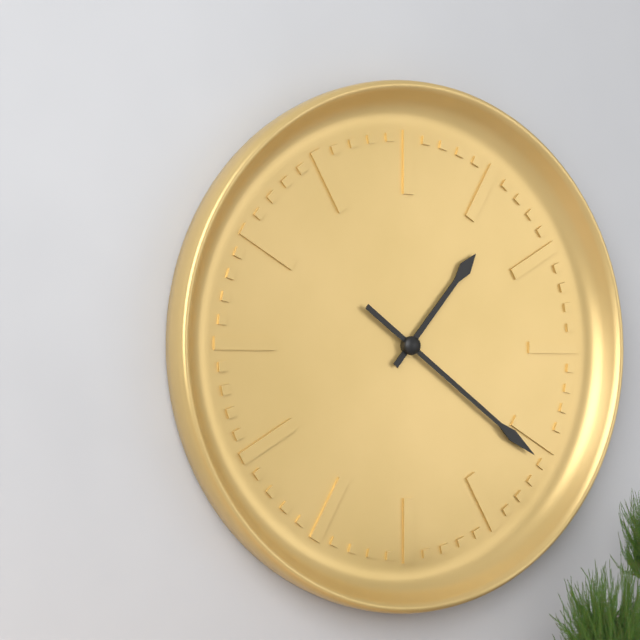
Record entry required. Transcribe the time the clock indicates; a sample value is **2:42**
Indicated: **1:21**
